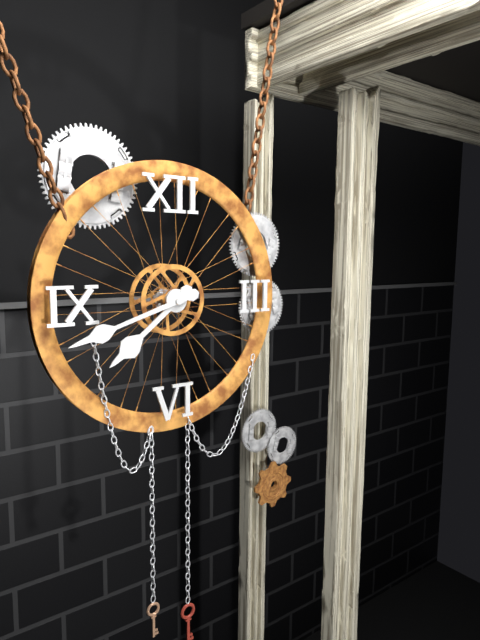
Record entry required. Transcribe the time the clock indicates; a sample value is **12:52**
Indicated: **7:42**
